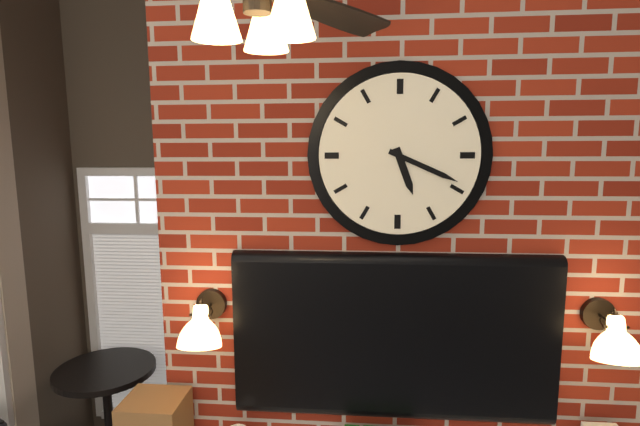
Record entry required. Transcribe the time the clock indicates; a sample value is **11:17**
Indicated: **5:19**
